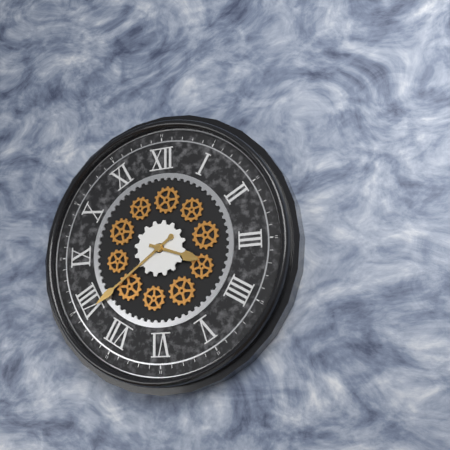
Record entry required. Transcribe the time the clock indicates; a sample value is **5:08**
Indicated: **3:39**
